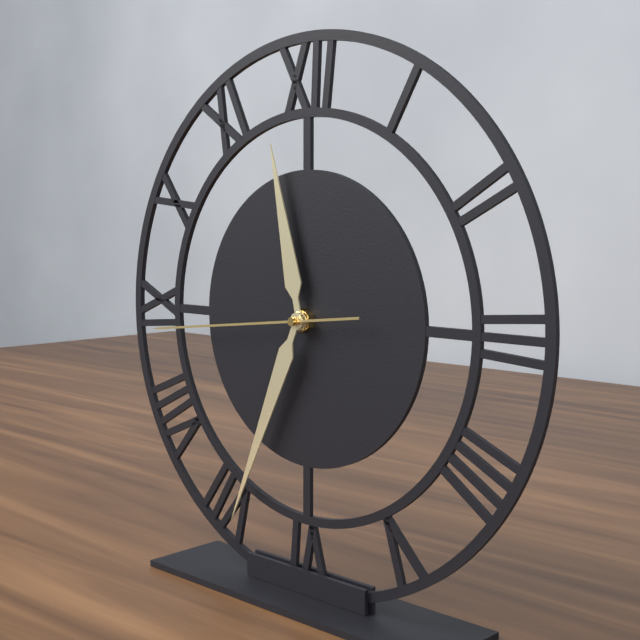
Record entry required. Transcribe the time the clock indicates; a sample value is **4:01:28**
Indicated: **11:34:44**
